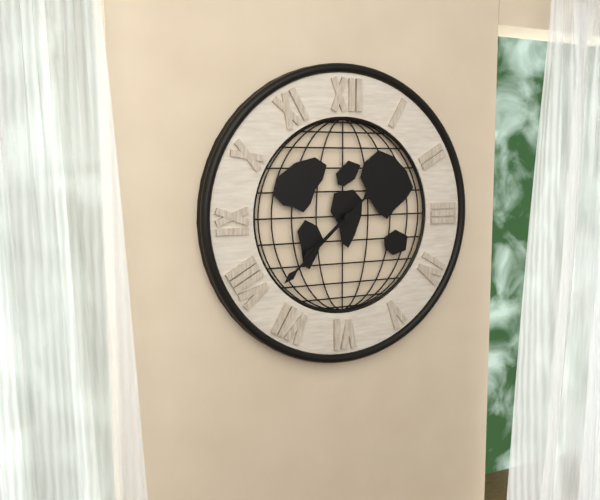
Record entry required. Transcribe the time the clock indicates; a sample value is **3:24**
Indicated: **7:38**
